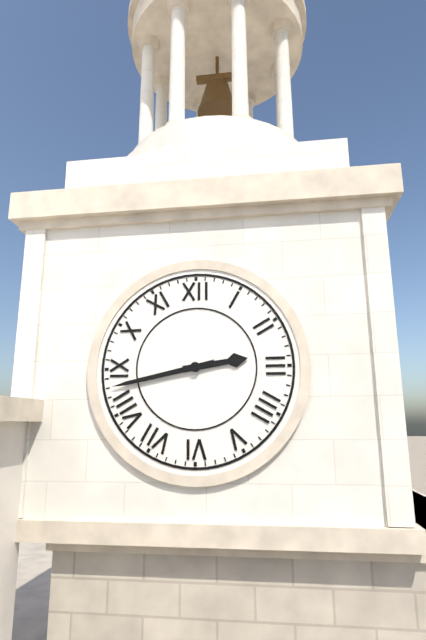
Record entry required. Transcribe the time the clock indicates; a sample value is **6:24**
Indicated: **2:43**
